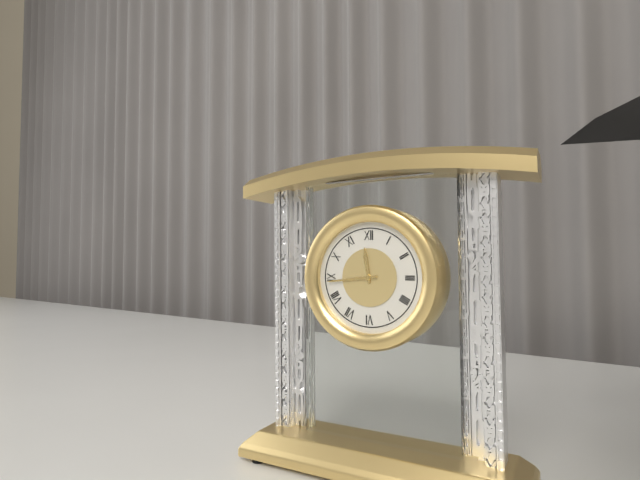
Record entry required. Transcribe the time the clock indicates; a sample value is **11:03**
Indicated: **11:44**
